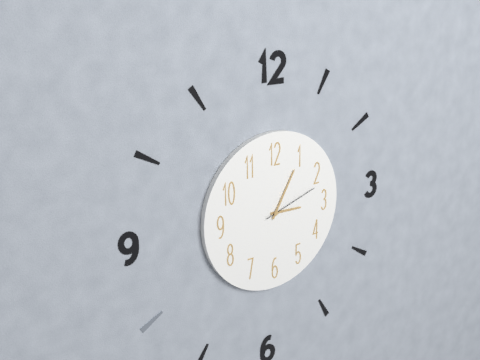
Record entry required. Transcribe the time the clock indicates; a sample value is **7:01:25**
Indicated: **3:05:12**
